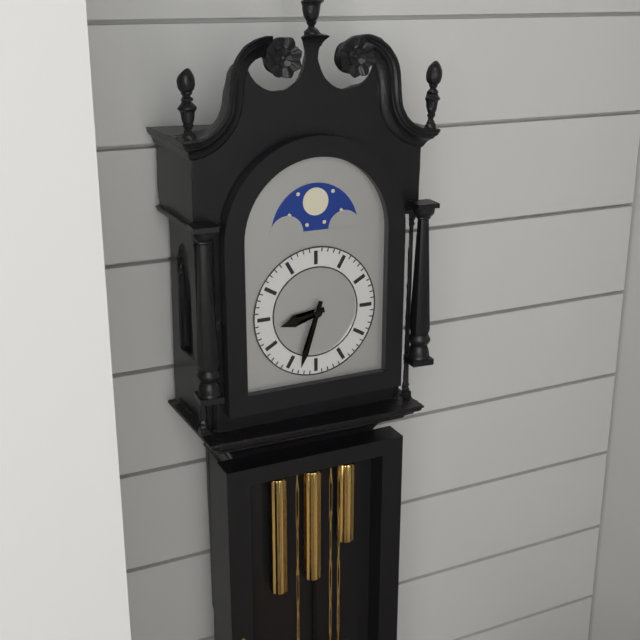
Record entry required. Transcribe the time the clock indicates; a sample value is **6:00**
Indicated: **8:33**
